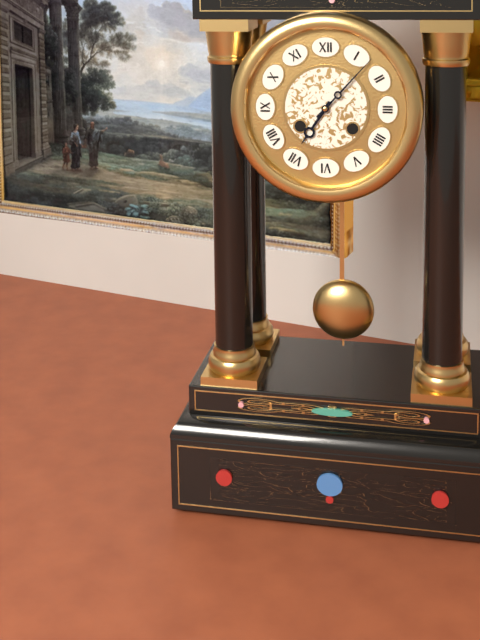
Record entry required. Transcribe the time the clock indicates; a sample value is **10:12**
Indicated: **7:07**
